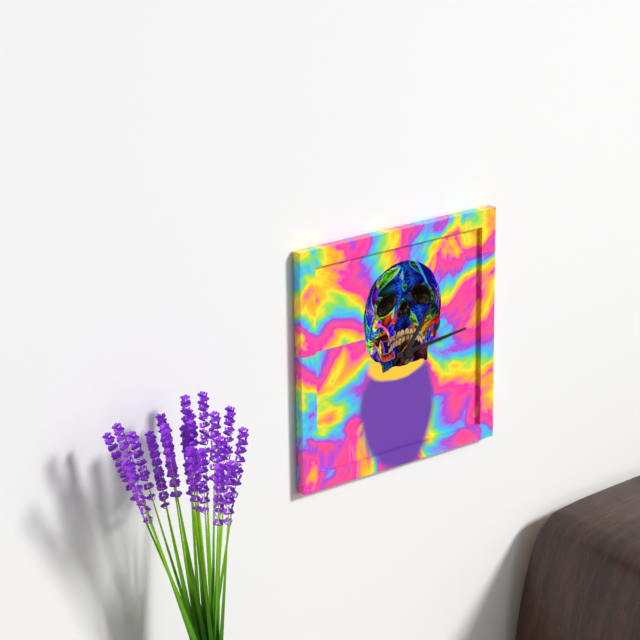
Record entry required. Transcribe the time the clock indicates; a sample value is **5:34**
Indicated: **1:14**
